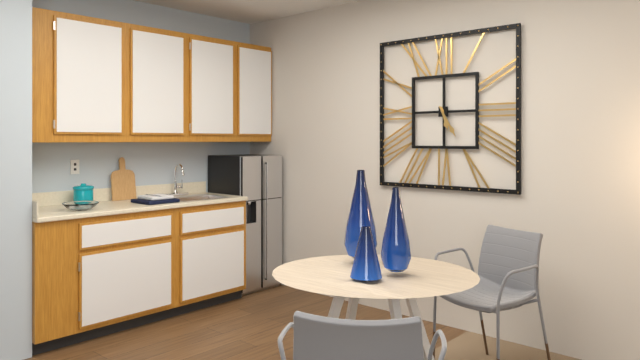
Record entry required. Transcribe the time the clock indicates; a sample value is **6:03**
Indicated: **5:25**
